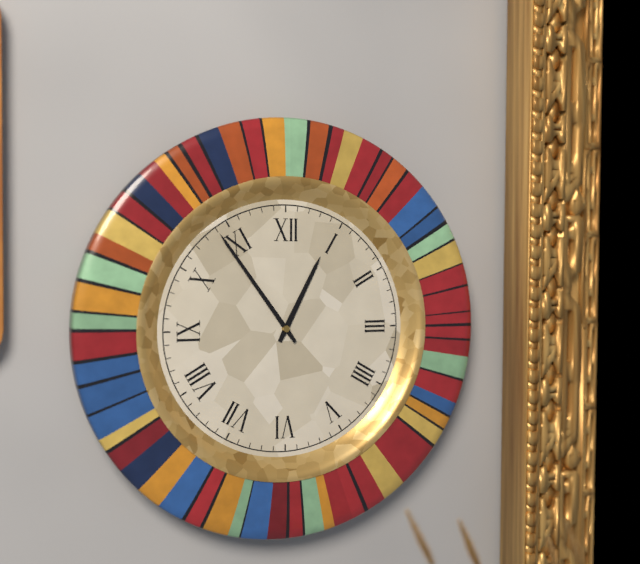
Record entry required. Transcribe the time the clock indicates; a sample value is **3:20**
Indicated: **12:54**
